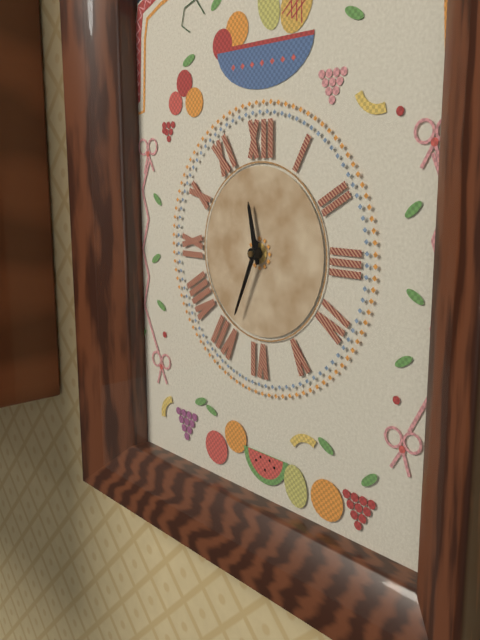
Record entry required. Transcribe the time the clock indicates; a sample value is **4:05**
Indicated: **11:34**
